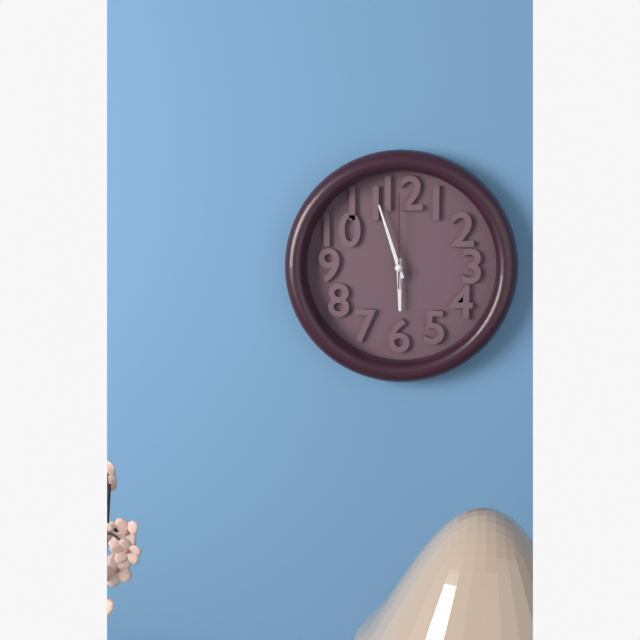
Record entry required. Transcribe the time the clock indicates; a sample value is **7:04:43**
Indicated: **5:57:00**
